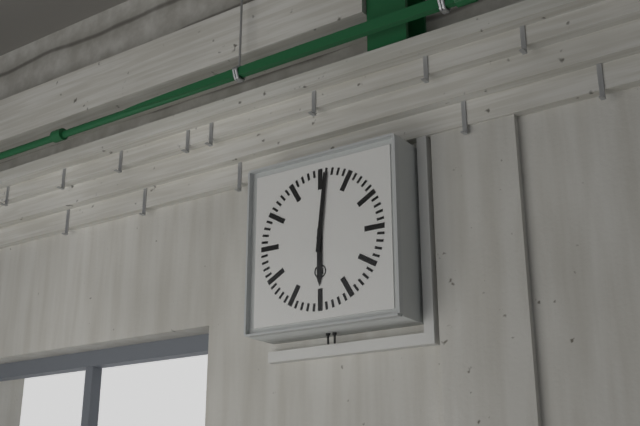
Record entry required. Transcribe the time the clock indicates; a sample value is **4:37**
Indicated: **6:01**
